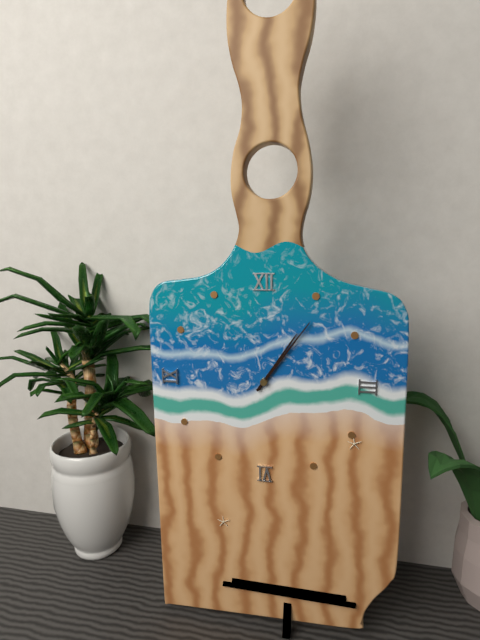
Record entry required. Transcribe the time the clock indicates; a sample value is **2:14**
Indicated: **1:06**
